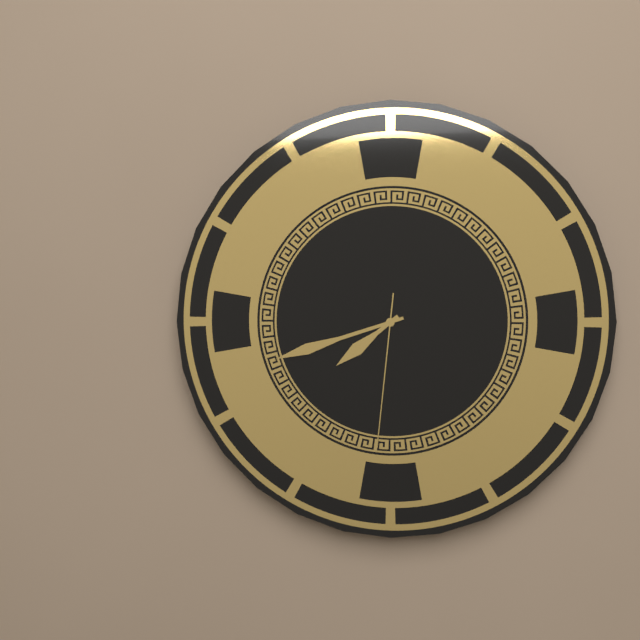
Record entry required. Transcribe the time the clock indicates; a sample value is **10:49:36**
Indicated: **7:42:31**
